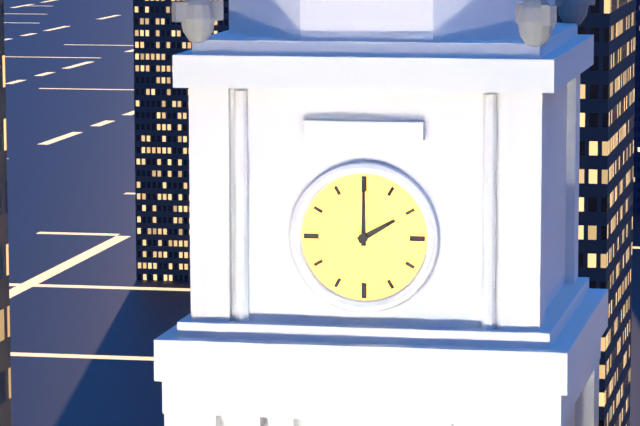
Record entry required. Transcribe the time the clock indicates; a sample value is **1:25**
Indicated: **2:00**
